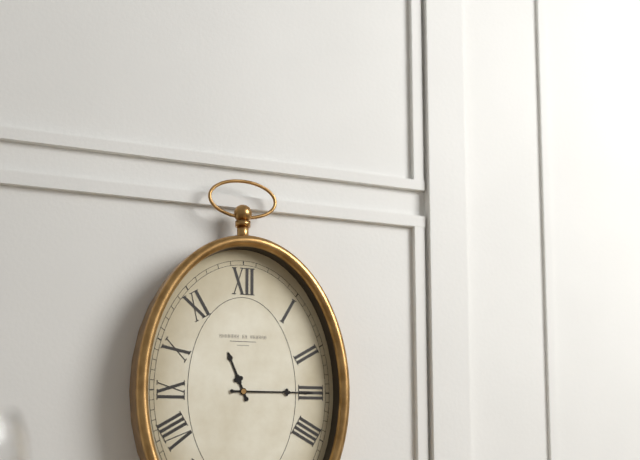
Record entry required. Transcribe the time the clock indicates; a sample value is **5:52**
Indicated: **11:15**
